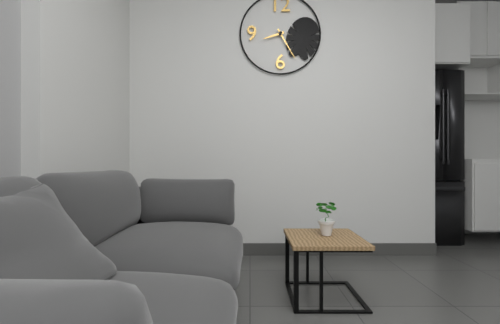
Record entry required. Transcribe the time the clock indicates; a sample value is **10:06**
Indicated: **8:25**
